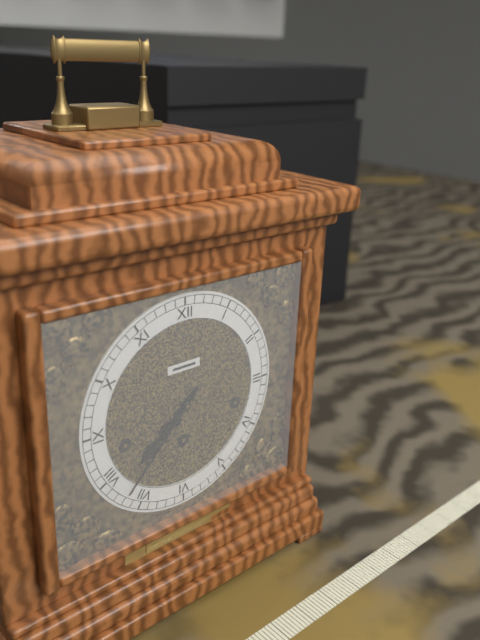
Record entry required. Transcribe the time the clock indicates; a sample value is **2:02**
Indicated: **7:37**
